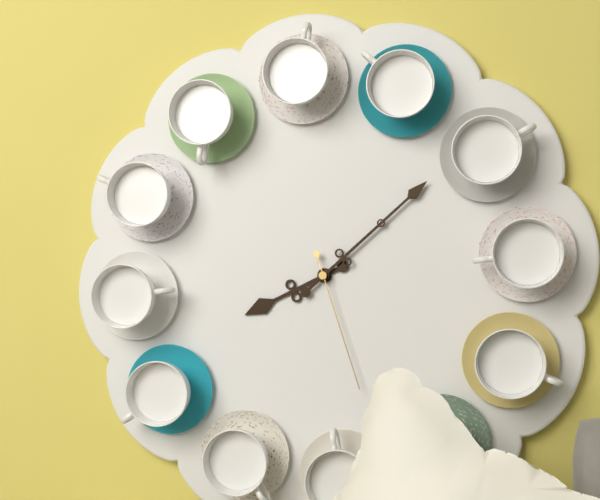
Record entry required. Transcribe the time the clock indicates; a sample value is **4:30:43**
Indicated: **8:08:27**
